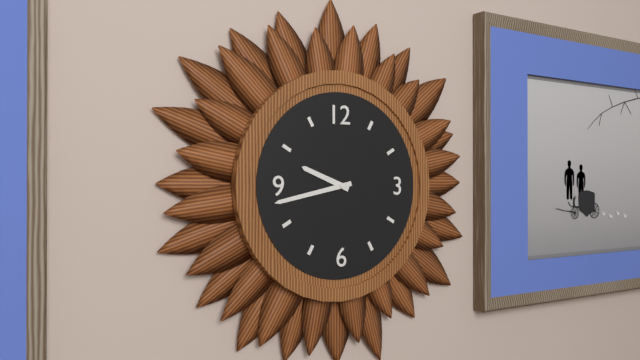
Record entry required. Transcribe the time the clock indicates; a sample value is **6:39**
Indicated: **9:43**
